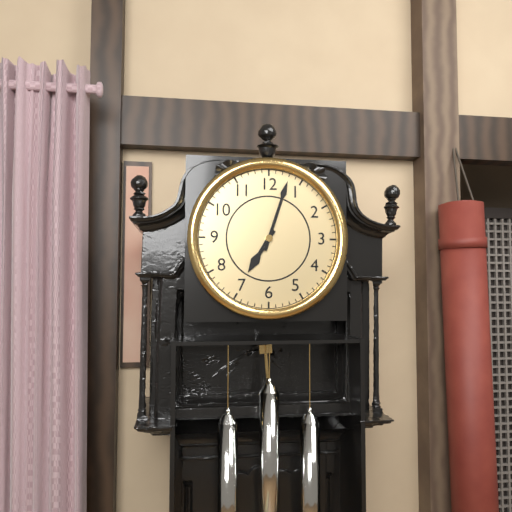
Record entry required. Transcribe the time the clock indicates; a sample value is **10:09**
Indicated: **7:03**
